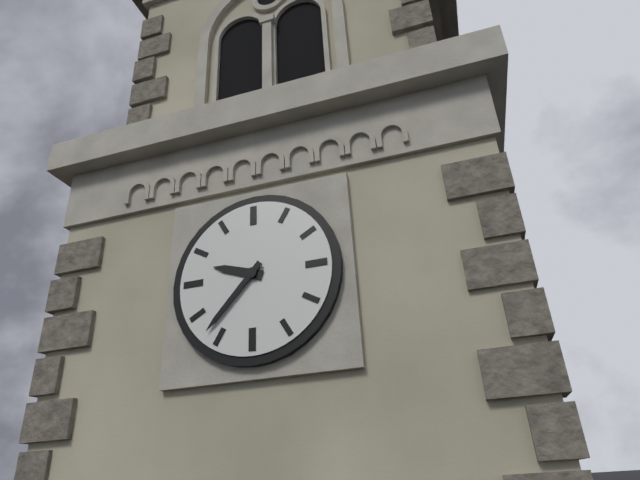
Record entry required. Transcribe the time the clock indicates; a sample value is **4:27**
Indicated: **9:37**
